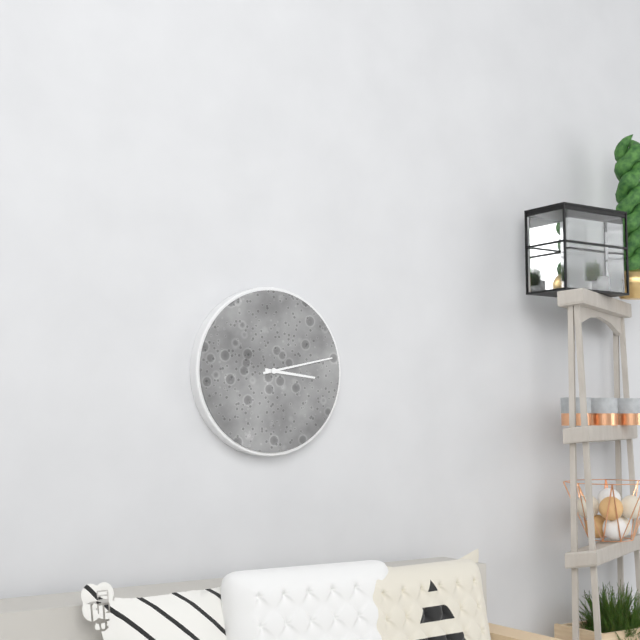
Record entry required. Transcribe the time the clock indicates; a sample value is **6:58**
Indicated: **3:13**
